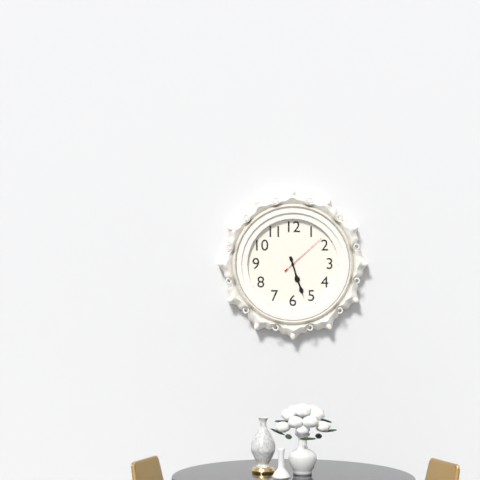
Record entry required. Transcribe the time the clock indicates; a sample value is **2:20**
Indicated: **5:27**
